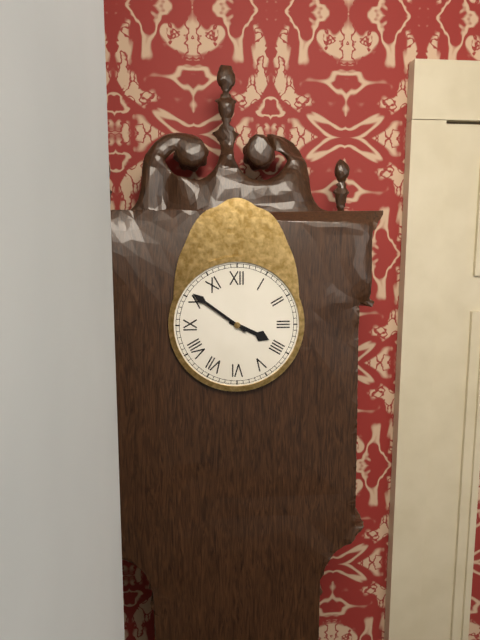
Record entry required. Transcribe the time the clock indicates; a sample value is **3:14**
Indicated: **3:51**
